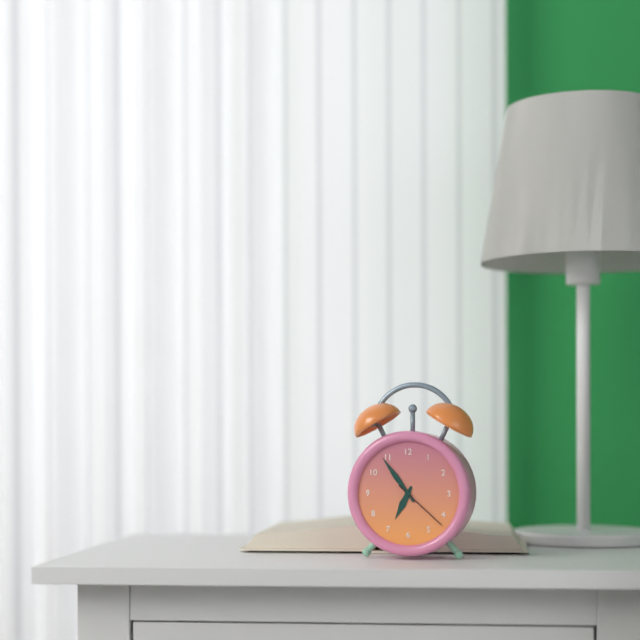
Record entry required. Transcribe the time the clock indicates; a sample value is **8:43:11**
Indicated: **6:54:22**
